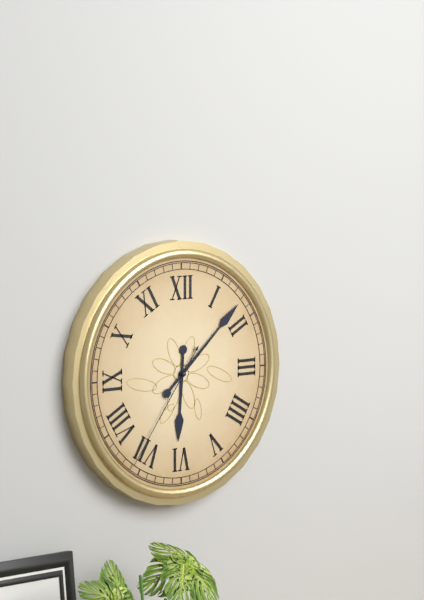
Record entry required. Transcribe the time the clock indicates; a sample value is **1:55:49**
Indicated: **6:08:36**
